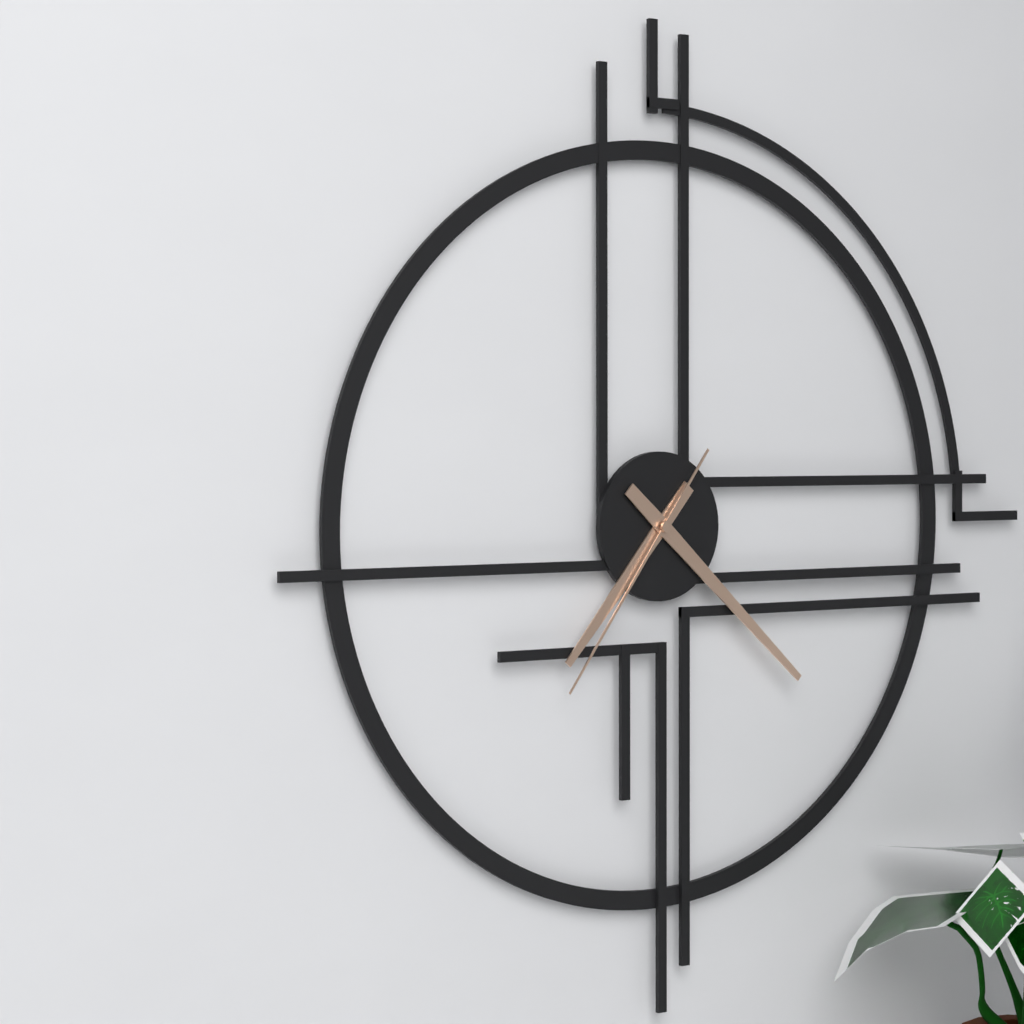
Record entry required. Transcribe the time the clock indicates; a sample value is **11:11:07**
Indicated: **7:22:36**
